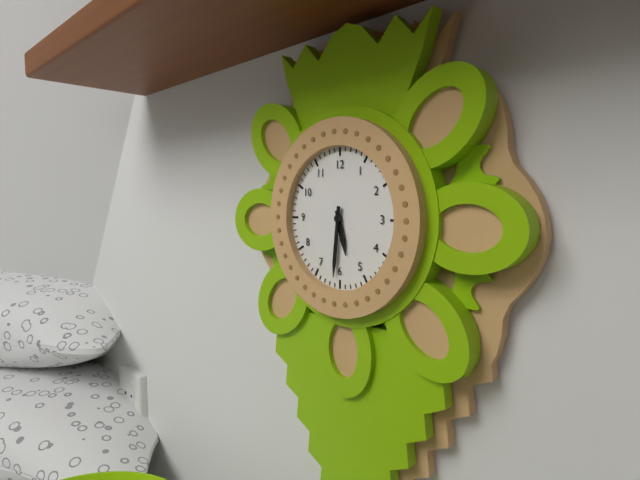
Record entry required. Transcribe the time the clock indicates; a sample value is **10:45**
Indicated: **5:31**
